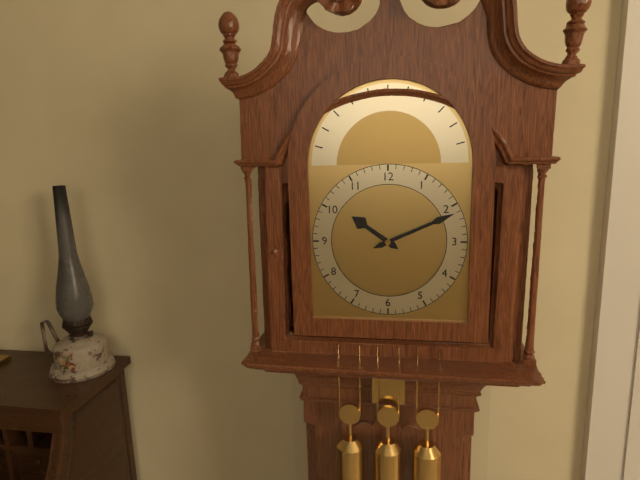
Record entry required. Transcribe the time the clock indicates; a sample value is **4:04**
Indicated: **10:11**
